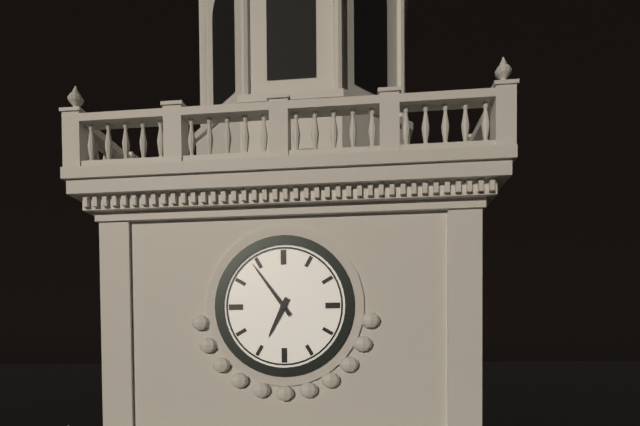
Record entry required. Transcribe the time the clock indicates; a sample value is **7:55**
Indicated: **6:54**
